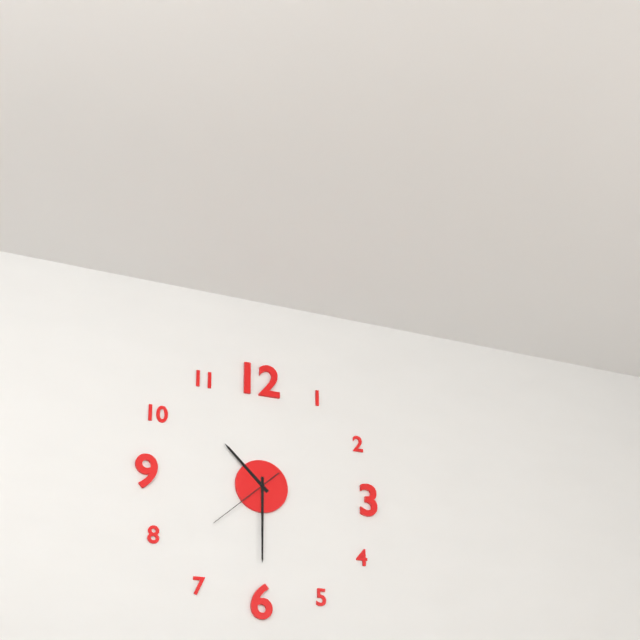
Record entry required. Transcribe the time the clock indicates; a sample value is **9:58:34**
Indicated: **10:30:38**
